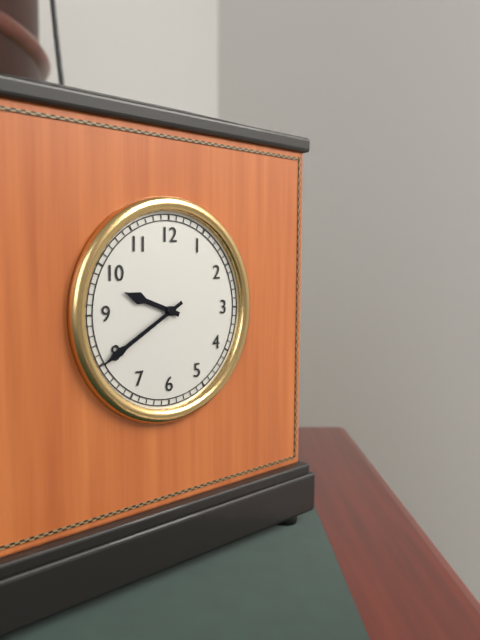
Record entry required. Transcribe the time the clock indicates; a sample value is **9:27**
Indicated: **9:40**
